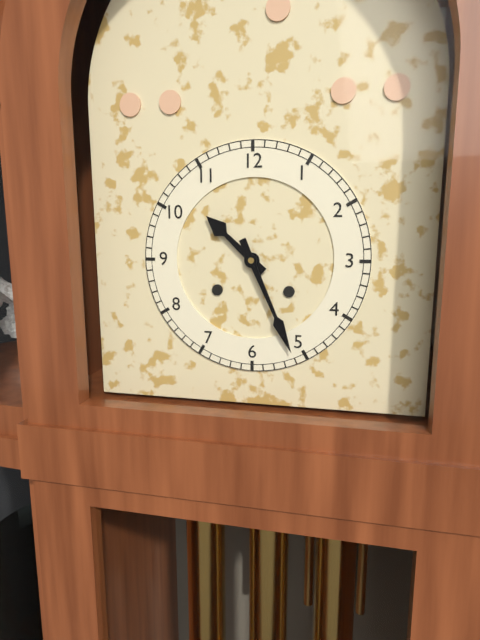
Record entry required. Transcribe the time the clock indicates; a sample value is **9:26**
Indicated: **10:26**
